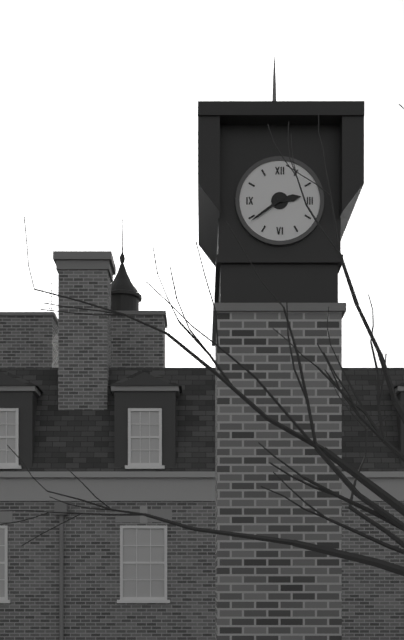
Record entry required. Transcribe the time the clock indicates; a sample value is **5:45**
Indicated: **2:39**
